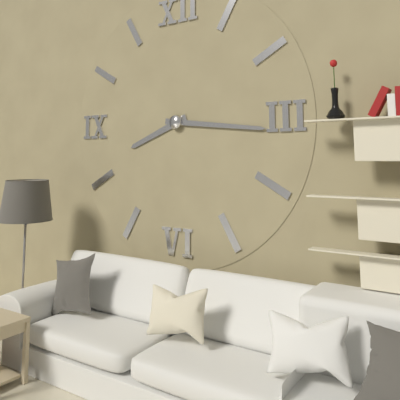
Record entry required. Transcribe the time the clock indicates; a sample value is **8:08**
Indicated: **8:16**
